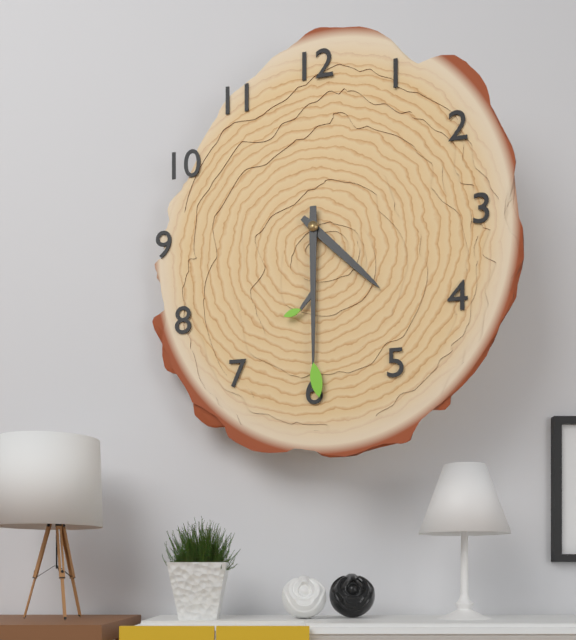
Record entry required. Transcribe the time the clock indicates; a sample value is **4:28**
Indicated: **4:30**
